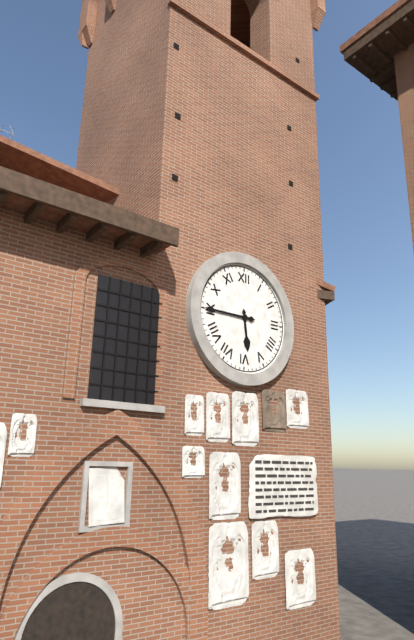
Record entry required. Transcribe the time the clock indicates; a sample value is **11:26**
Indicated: **5:45**
